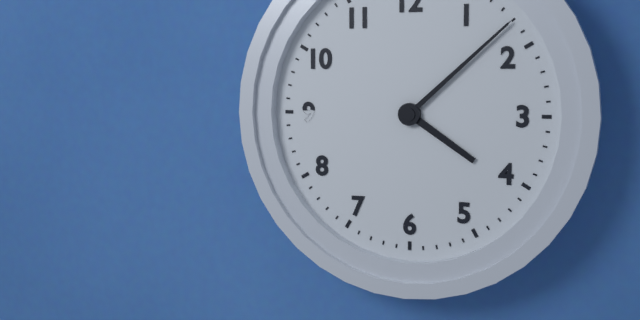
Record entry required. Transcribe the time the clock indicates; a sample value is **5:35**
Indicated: **4:08**
